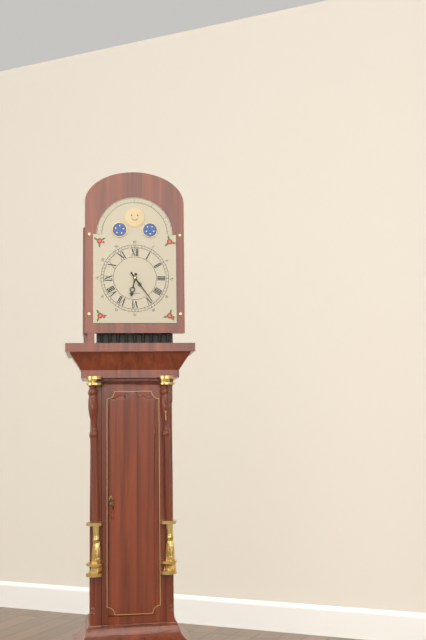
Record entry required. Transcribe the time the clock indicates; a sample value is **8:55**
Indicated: **6:24**
